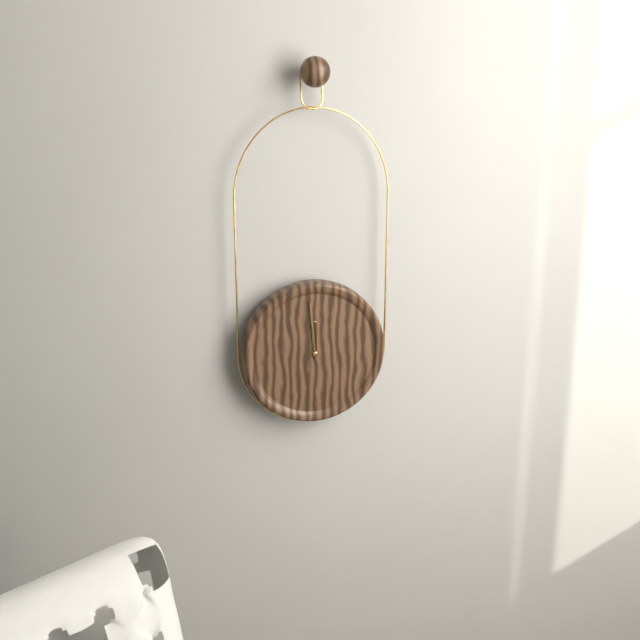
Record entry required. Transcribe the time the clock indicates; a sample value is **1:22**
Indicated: **11:59**
